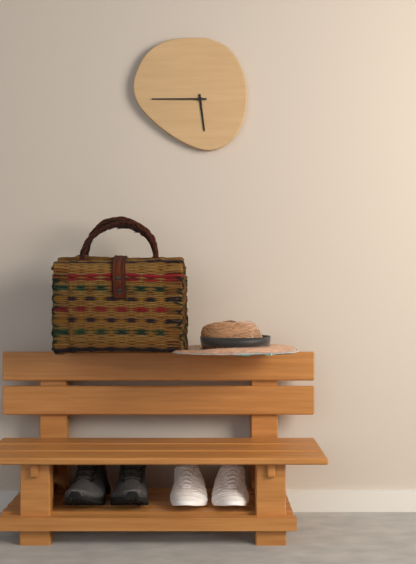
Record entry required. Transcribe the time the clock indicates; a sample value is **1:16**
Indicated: **5:45**
